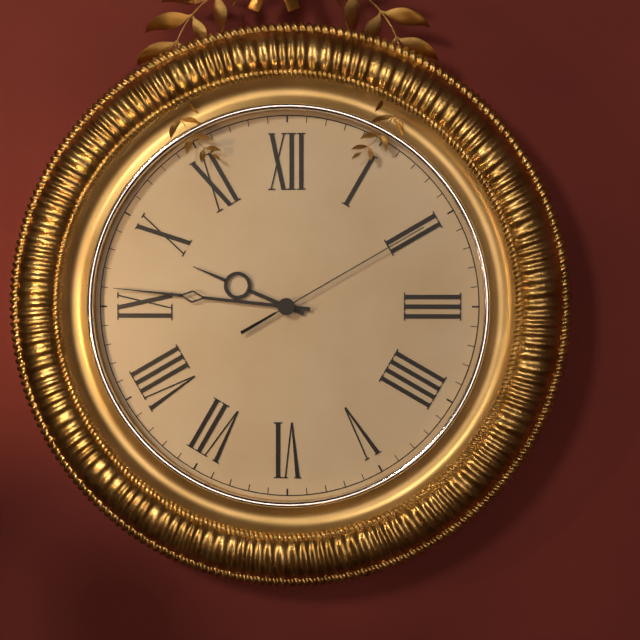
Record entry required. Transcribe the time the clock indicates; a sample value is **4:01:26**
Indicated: **9:46:10**
